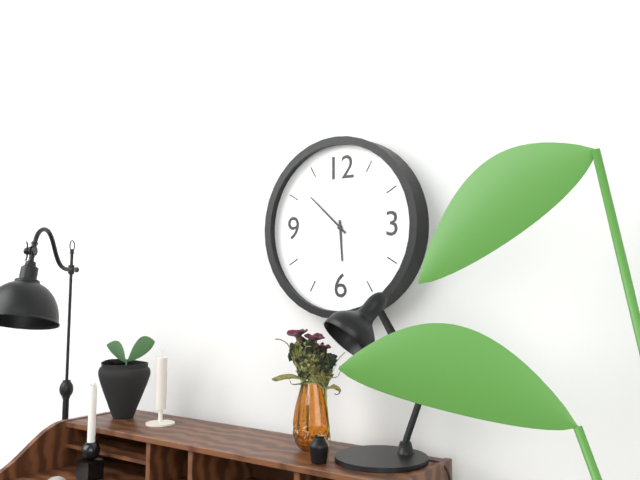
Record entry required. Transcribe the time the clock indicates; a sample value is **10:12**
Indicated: **5:52**
